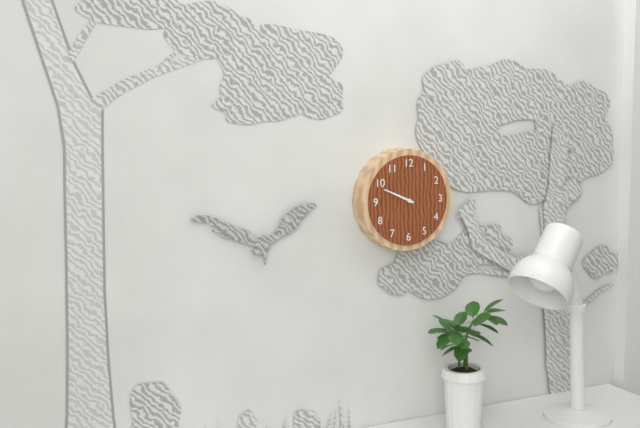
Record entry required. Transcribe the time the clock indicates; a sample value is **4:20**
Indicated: **9:49**
